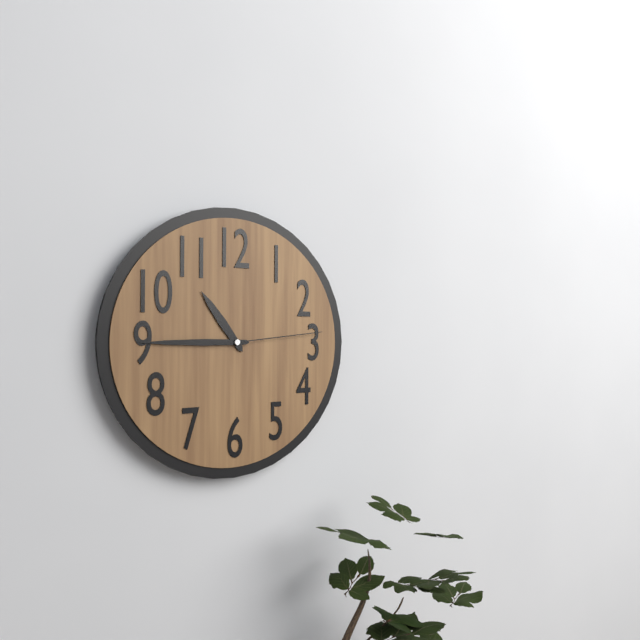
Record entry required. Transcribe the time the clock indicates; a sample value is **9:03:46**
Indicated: **10:45:14**
